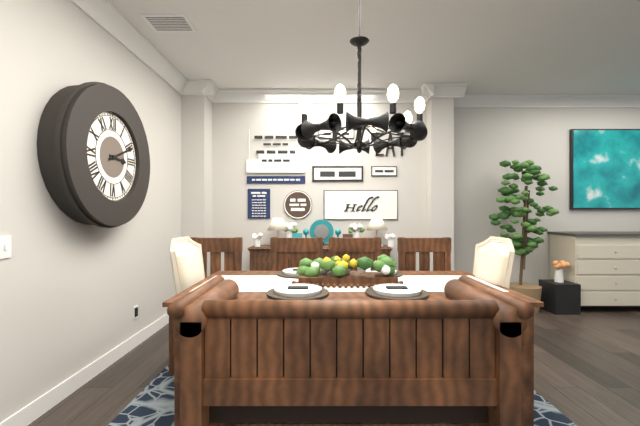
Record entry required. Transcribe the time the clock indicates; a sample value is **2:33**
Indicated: **3:11**
